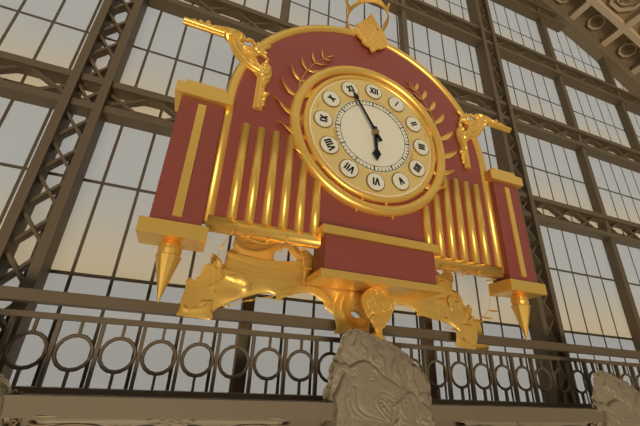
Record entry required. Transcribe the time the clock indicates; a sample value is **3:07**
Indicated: **5:55**
